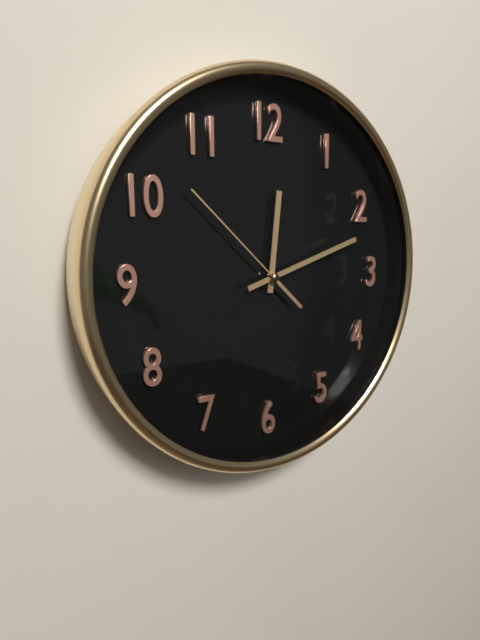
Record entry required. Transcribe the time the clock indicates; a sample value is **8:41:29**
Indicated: **12:12:52**
